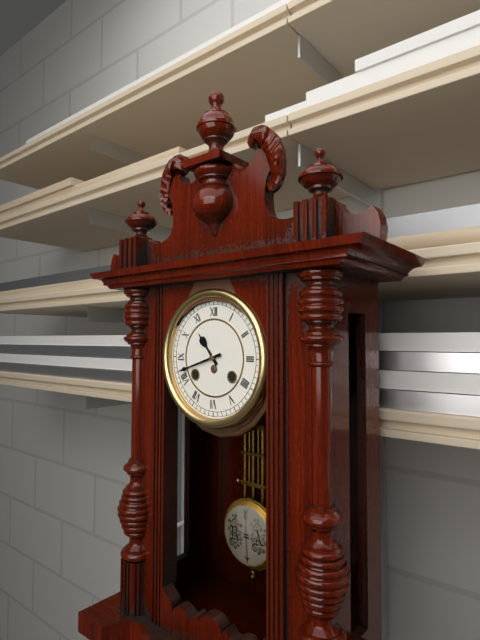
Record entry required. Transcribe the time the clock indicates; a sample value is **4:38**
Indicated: **10:42**
